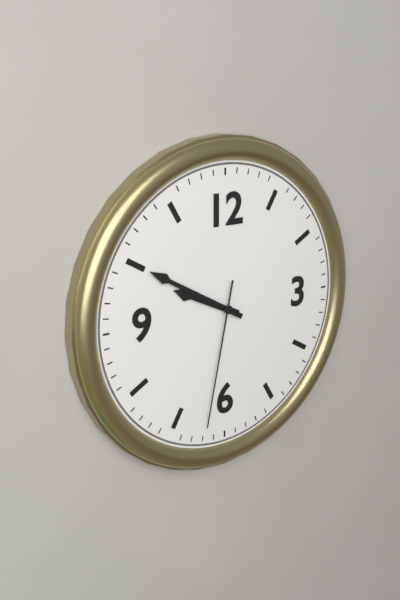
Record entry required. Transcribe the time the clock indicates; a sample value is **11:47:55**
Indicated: **9:50:32**
